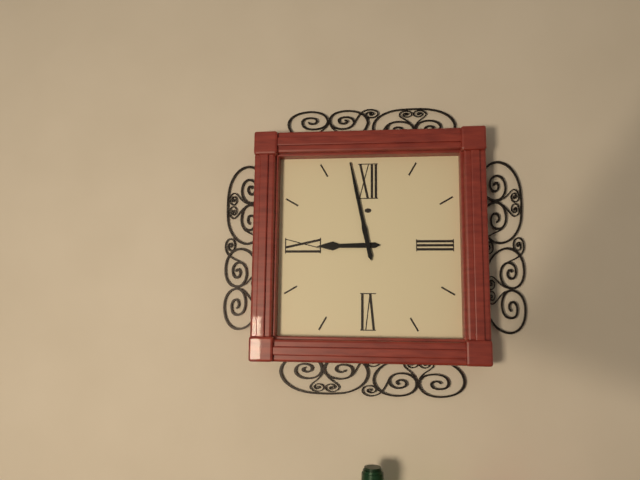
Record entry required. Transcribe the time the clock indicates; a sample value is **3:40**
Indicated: **8:58**
